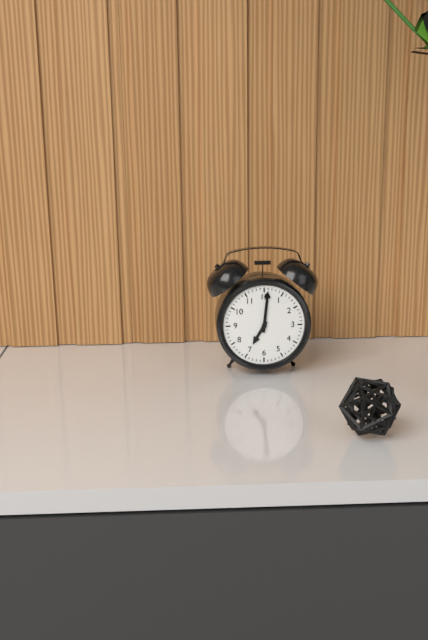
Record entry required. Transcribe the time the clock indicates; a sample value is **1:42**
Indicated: **7:01**
